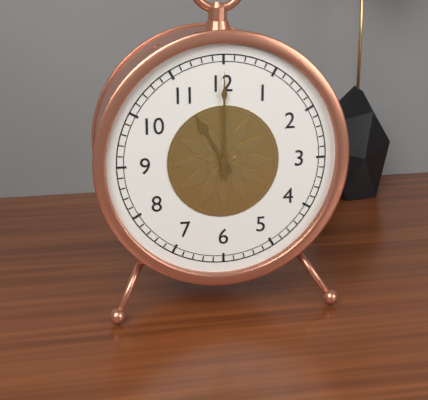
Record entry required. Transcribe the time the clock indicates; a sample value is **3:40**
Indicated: **11:00**
